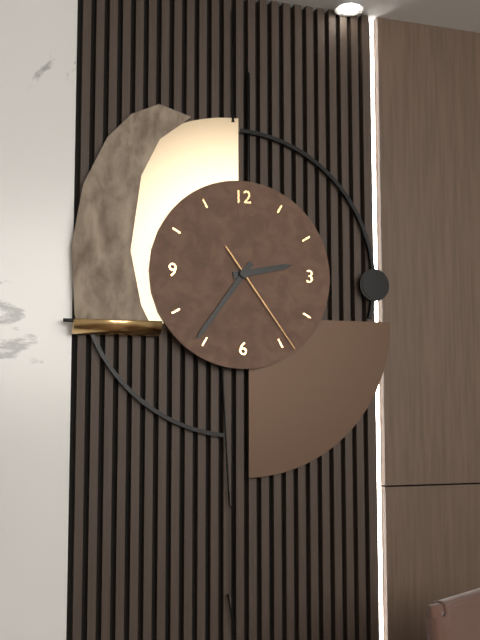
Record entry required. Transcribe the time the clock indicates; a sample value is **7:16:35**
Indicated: **2:36:24**
